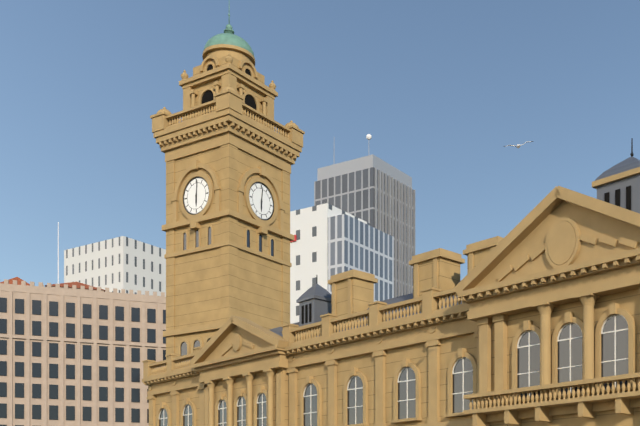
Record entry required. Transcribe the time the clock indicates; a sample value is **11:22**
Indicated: **6:01**
